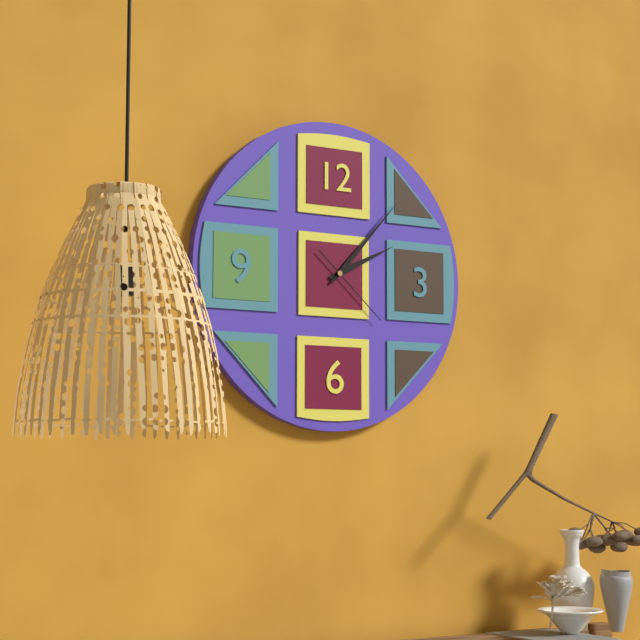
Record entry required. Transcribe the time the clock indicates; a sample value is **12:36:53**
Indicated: **2:07:22**
